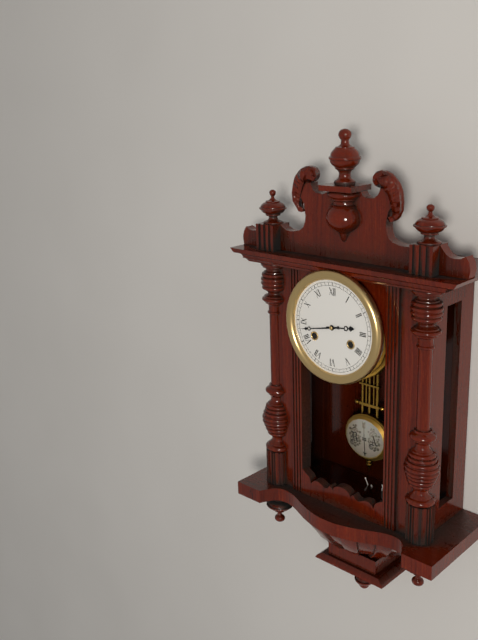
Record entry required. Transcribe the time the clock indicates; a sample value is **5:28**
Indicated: **2:43**
